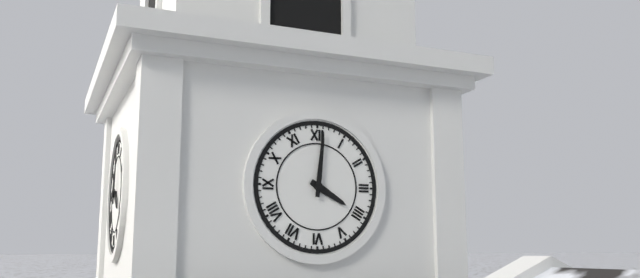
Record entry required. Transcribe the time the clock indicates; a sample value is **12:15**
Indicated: **4:01**
